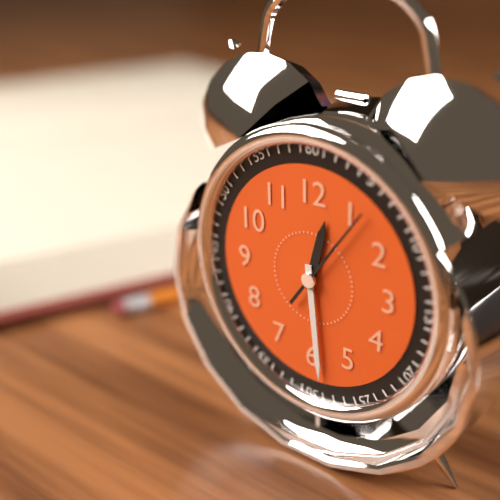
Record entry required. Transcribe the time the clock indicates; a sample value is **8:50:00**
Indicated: **12:29:06**
